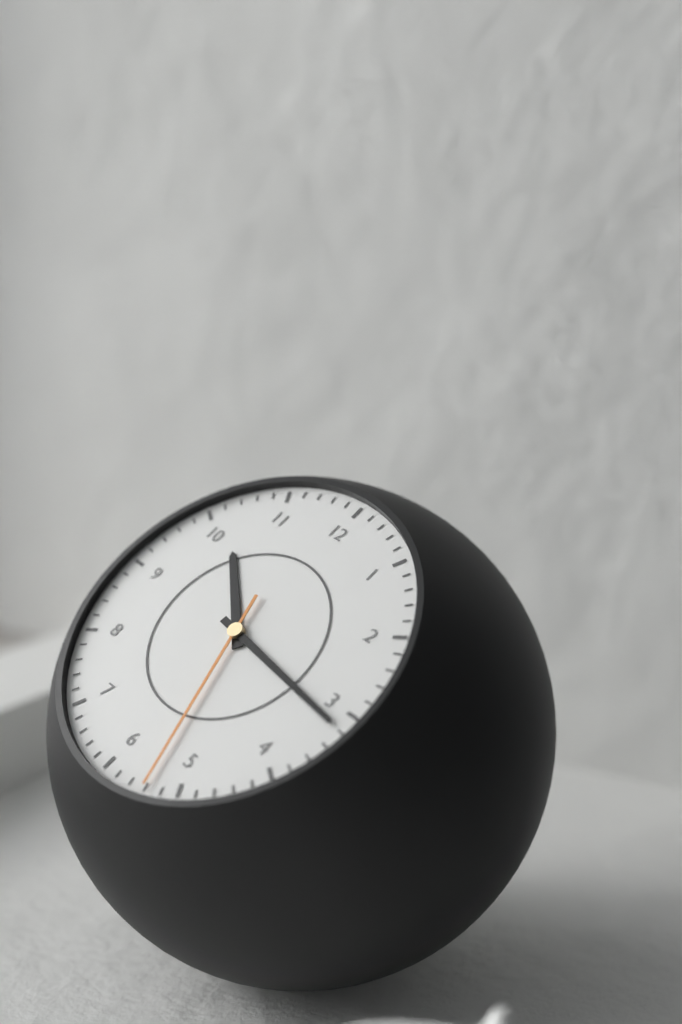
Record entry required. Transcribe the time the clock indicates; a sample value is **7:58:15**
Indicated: **10:16:27**
